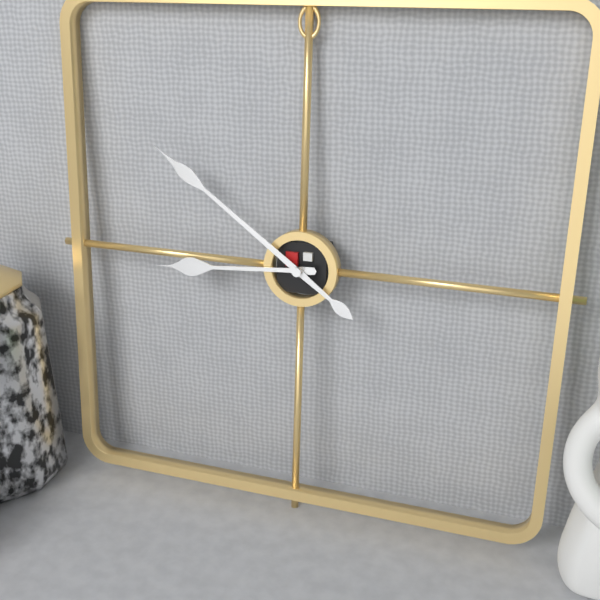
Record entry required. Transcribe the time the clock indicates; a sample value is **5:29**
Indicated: **8:51**
